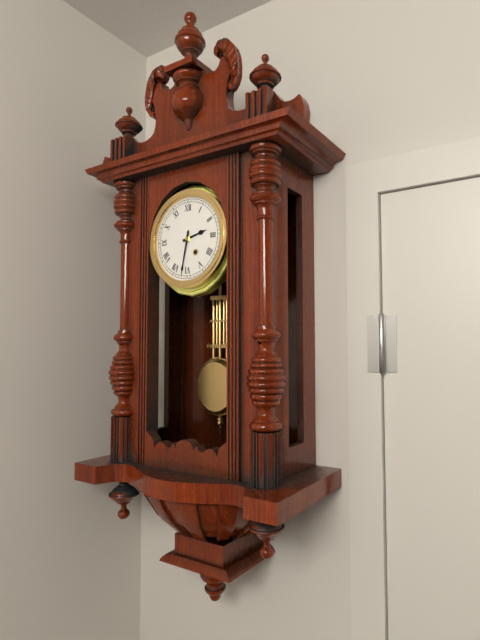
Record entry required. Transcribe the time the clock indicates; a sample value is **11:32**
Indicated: **2:32**
